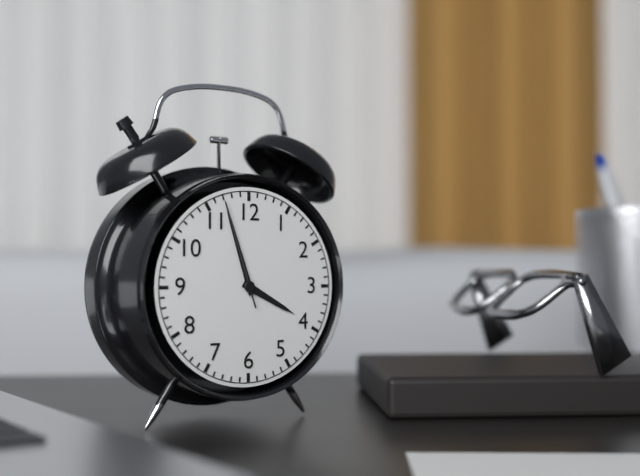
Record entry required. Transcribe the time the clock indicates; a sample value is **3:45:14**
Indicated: **3:57:57**
